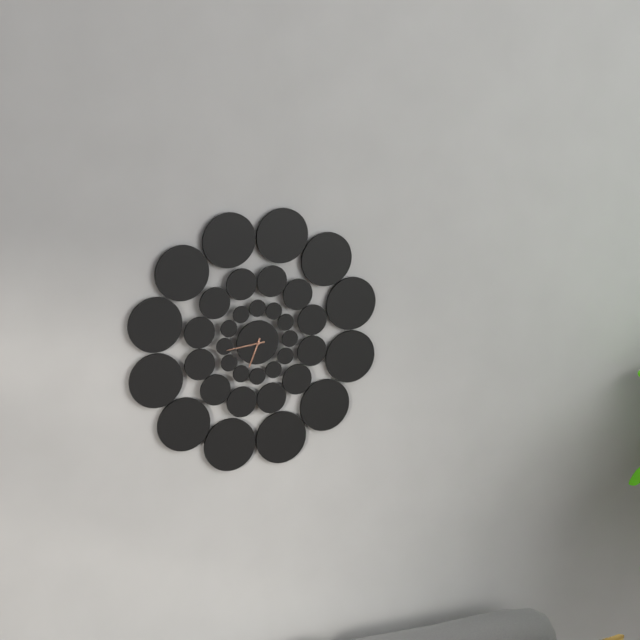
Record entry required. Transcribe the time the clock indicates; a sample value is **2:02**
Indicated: **6:44**
